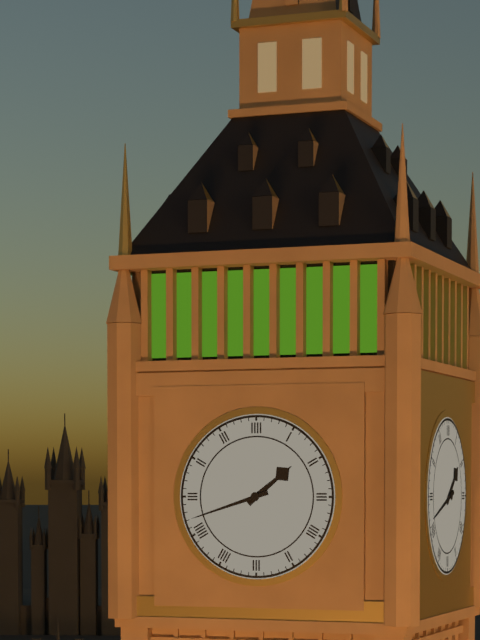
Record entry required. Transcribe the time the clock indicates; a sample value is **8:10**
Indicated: **1:42**
